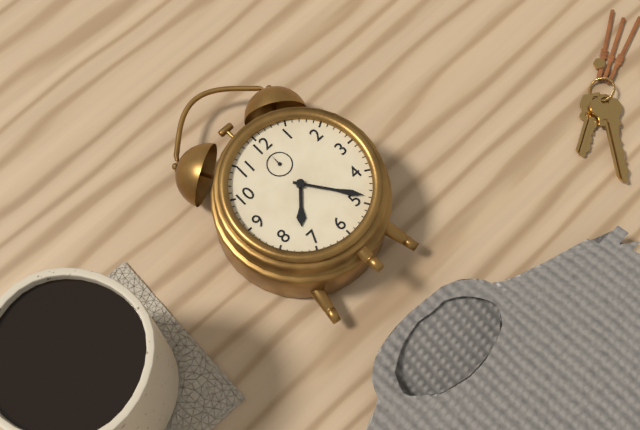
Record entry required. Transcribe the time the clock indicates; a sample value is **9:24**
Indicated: **7:24**
